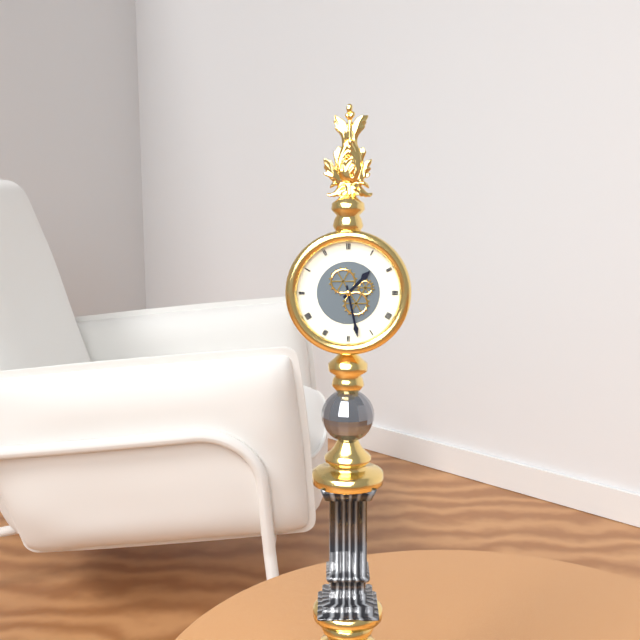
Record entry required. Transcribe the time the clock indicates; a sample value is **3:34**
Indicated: **1:28**
